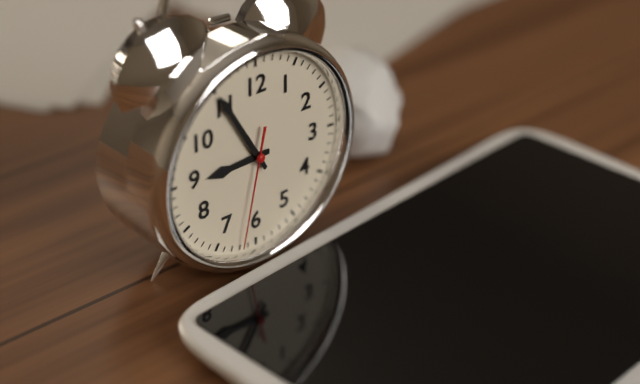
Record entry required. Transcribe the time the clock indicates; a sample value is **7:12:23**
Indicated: **8:55:32**
